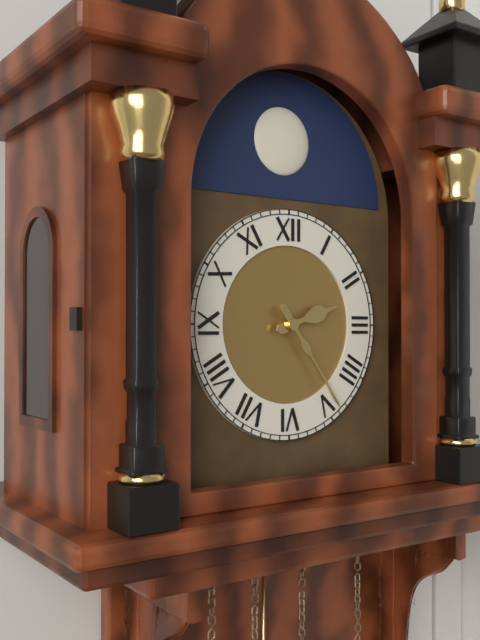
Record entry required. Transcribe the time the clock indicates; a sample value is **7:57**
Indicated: **2:24**
